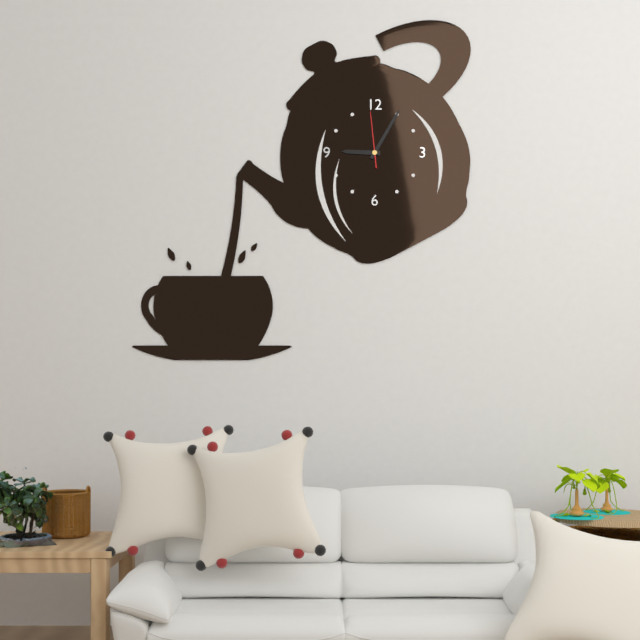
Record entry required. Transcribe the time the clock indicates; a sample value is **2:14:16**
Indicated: **9:05:59**
